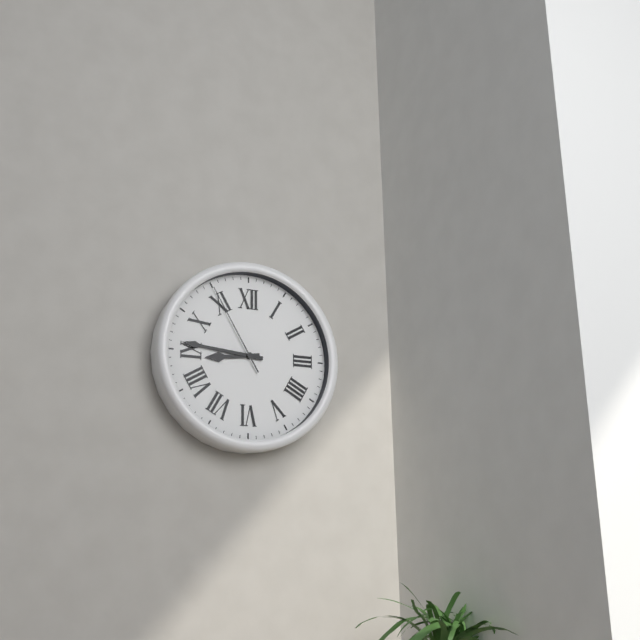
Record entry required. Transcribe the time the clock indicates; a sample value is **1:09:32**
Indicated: **8:46:55**
